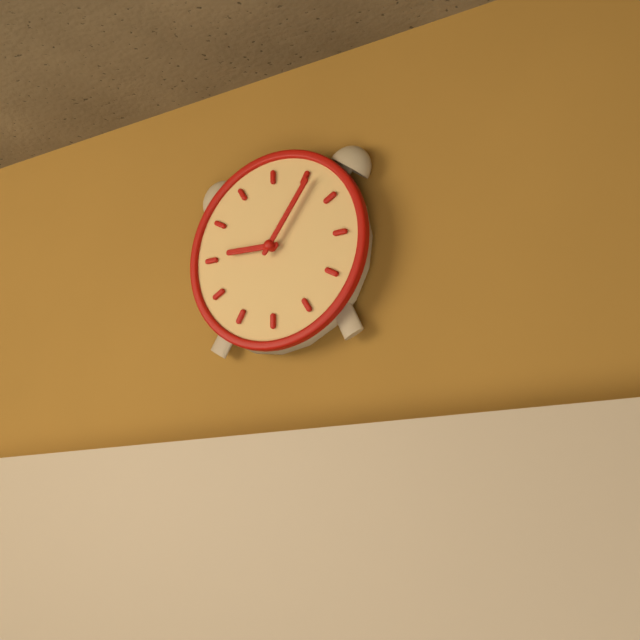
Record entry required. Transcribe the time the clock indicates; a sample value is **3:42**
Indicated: **9:06**
